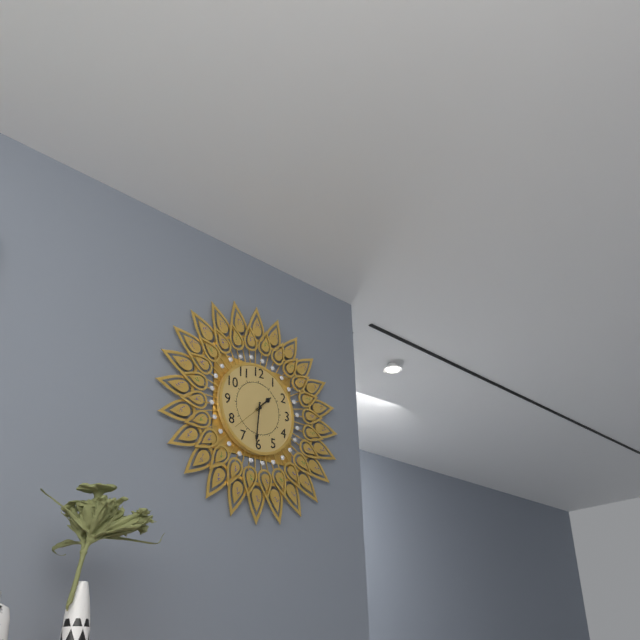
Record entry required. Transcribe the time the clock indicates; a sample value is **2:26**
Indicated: **1:31**
